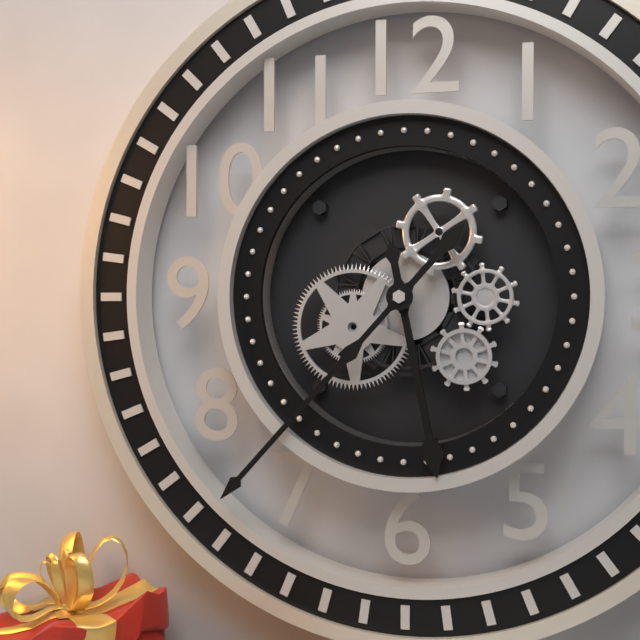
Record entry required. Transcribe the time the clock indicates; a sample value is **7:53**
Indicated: **5:37**
